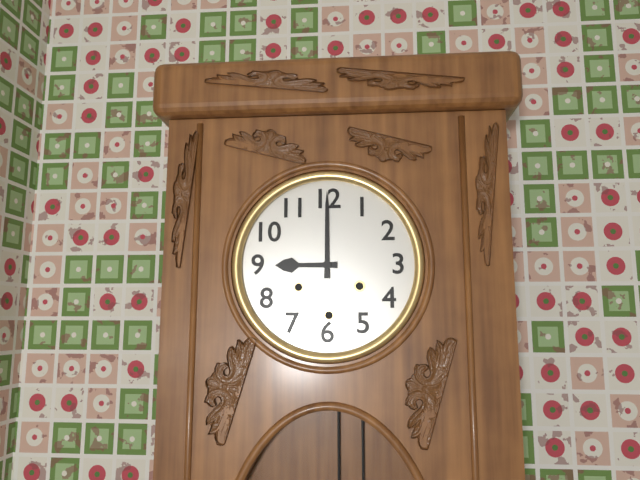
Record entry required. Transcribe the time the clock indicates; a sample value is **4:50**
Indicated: **9:00**
